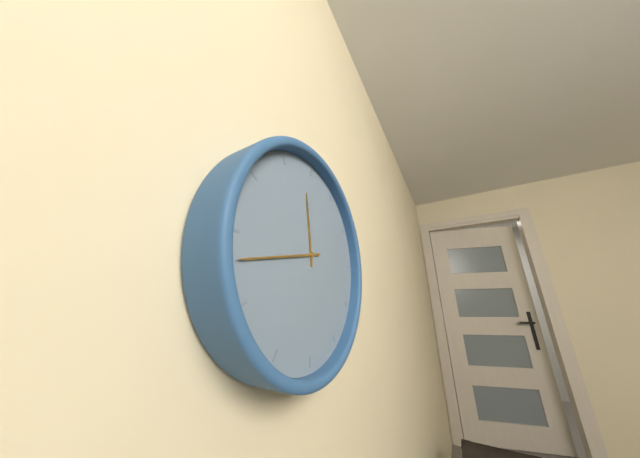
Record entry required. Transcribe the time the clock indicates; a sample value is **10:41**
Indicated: **11:43**
